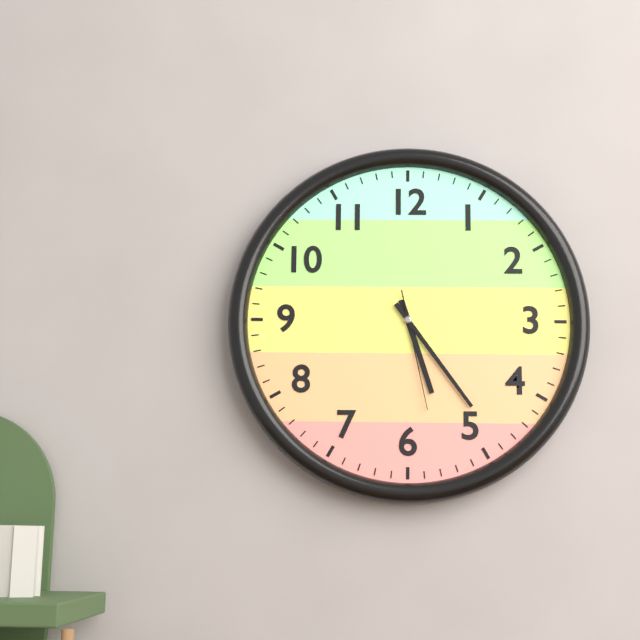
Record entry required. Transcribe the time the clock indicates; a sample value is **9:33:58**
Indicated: **5:24:28**
